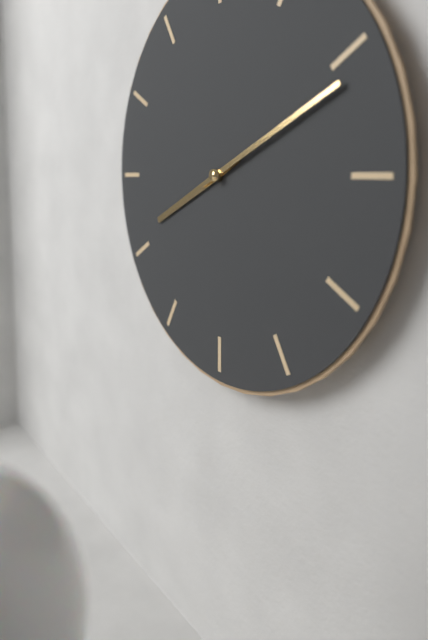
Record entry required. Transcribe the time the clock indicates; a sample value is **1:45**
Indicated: **8:11**
